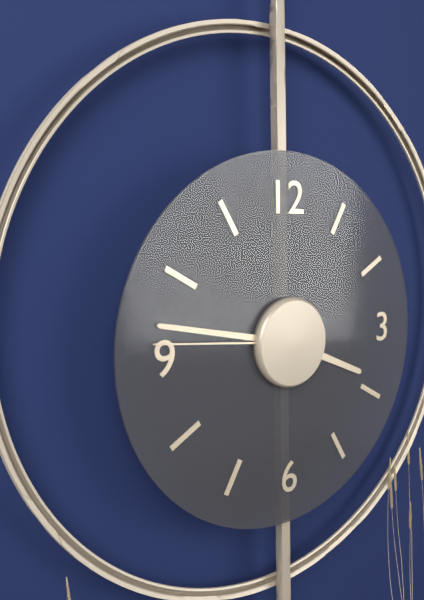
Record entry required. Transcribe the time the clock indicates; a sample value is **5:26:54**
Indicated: **3:47:46**
